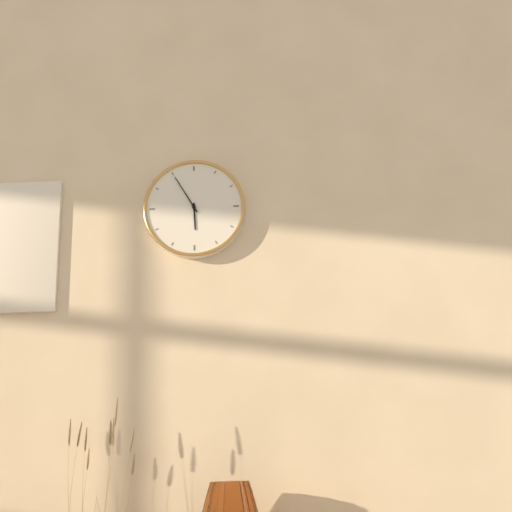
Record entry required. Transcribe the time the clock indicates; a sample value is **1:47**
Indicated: **5:55**
